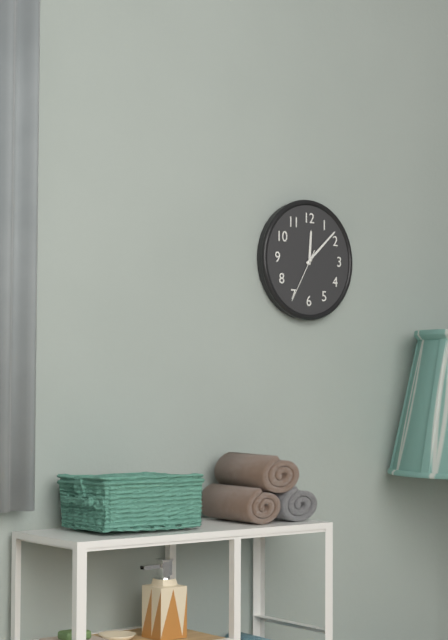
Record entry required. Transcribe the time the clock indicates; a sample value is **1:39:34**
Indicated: **12:08:35**
